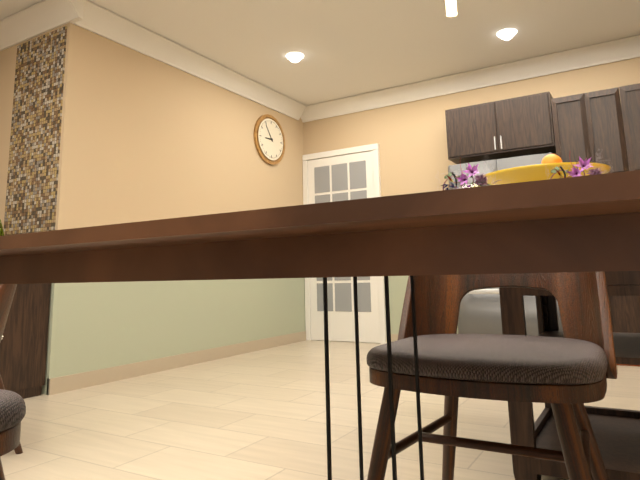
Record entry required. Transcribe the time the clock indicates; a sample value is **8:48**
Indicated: **8:54**
